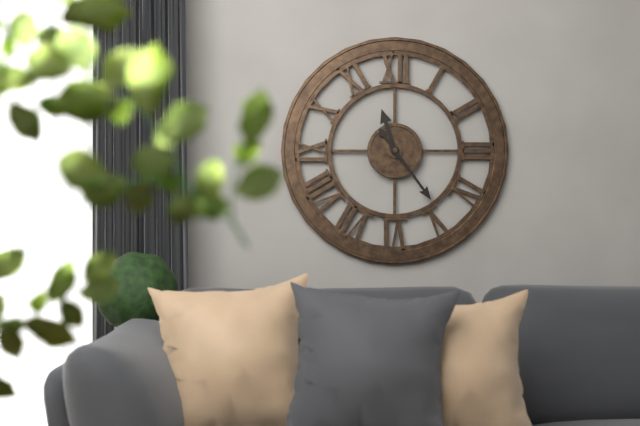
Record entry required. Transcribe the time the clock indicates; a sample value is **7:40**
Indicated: **11:24**
